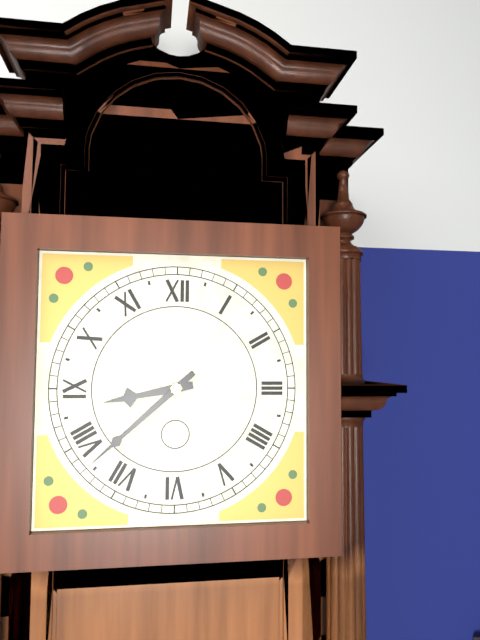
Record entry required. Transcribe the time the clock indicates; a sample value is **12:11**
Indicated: **8:38**
